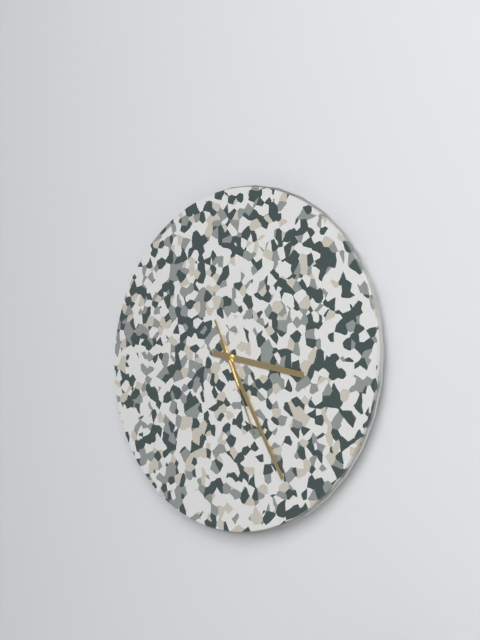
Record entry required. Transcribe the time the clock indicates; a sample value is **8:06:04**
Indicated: **3:25:26**
